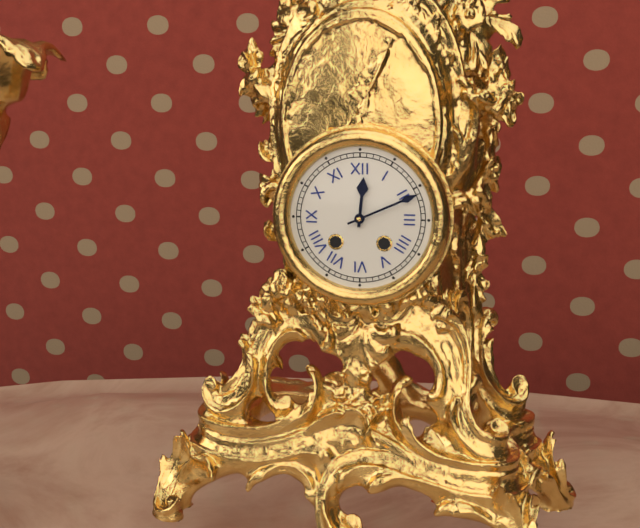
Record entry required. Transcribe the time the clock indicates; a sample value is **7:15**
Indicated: **12:11**
